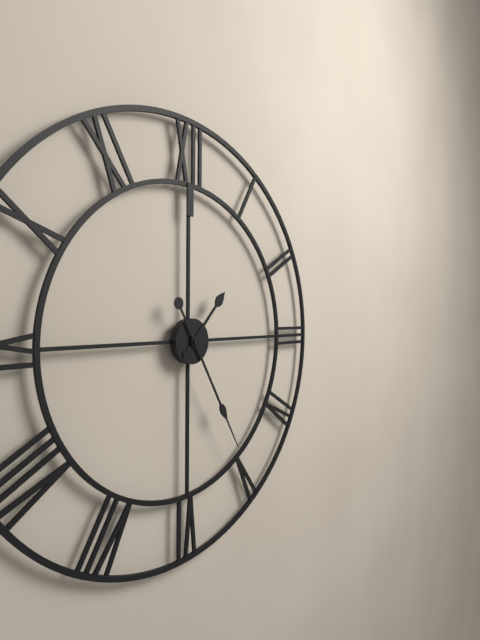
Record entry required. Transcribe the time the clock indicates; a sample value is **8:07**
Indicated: **1:25**
